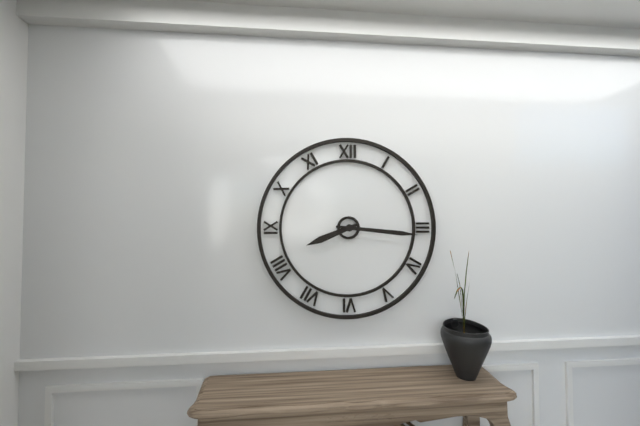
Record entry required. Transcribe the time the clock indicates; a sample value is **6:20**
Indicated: **8:16**
